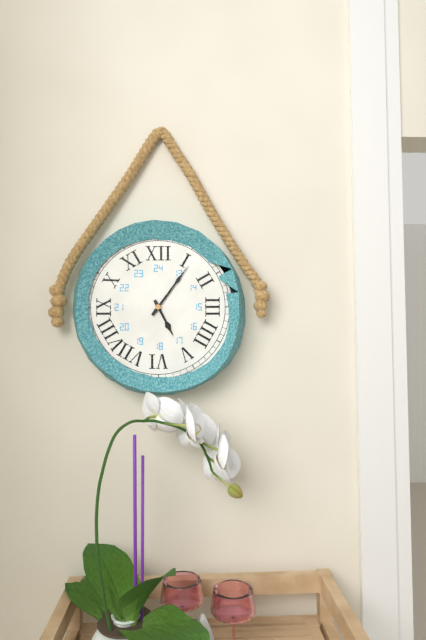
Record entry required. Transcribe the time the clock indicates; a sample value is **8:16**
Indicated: **5:06**
